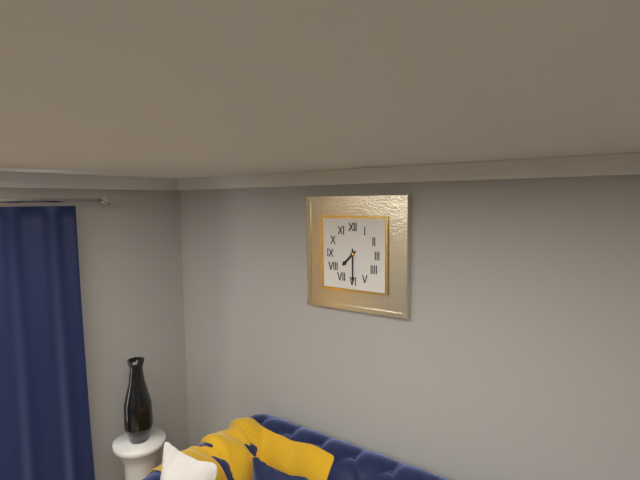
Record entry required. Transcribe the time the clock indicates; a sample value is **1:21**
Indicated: **7:30**
